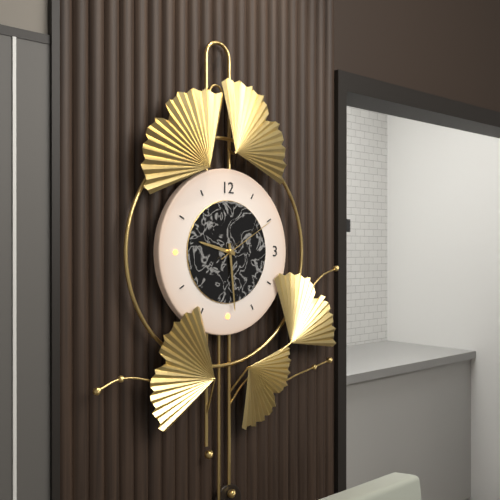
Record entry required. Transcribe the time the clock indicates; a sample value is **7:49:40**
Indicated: **9:29:10**
